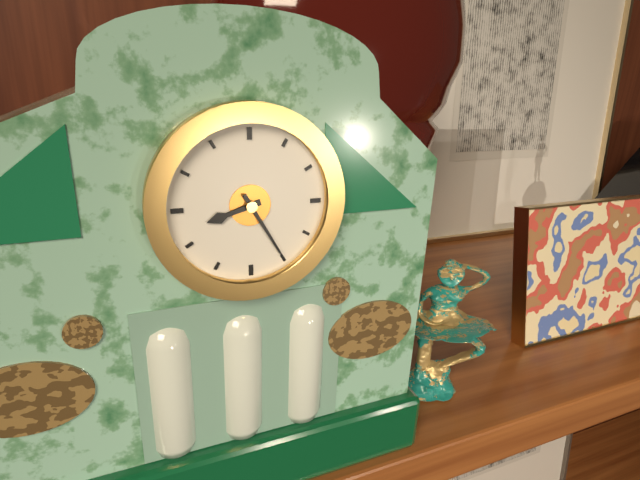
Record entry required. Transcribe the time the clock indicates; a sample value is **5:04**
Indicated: **8:25**
